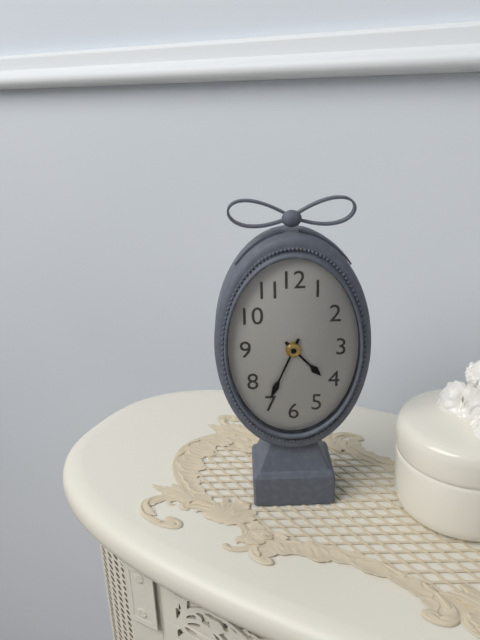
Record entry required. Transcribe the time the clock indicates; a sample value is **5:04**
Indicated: **4:34**
